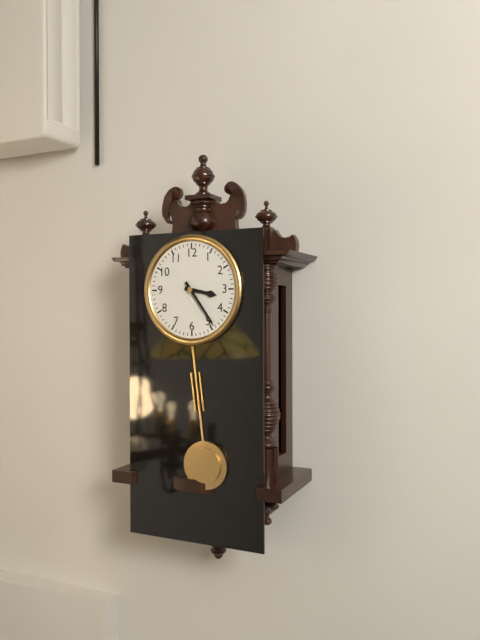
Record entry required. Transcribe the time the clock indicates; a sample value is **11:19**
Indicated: **3:24**
